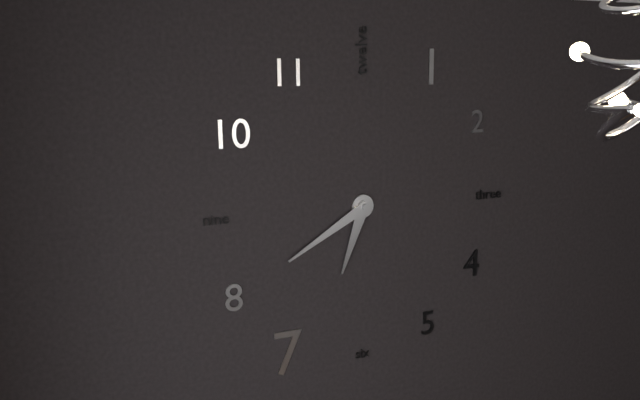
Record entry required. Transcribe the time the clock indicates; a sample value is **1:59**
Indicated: **6:40**
